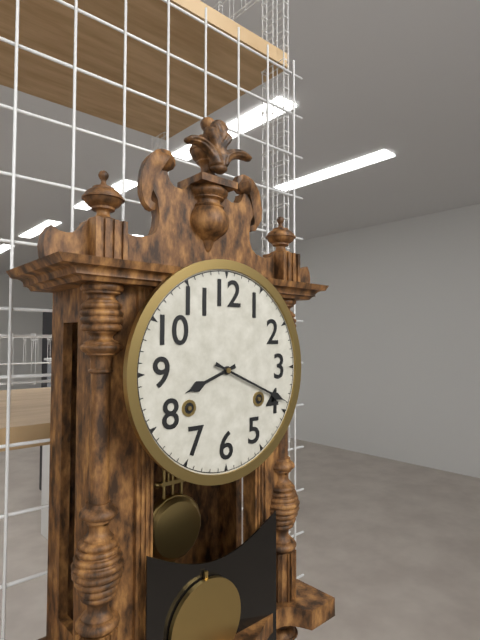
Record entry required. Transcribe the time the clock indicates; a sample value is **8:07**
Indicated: **8:19**
